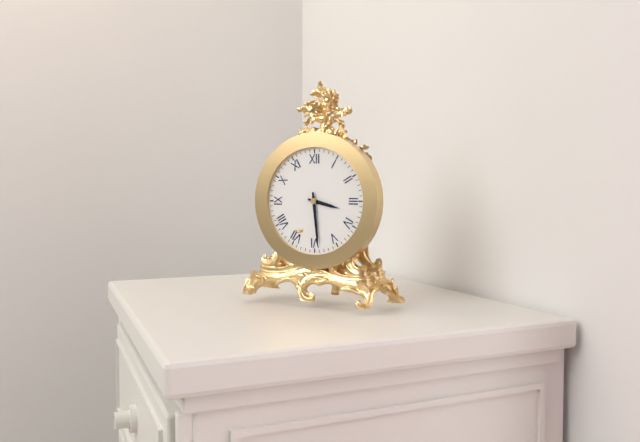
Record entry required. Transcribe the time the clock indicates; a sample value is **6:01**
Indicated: **3:29**
